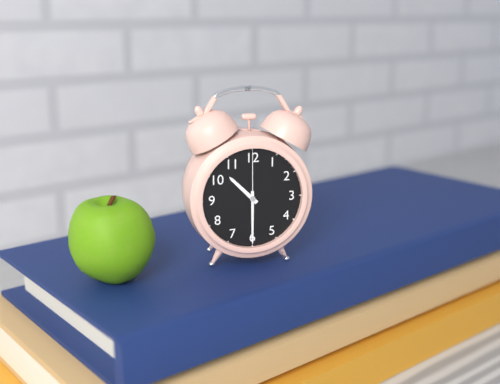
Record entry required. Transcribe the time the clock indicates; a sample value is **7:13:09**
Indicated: **10:30:00**
